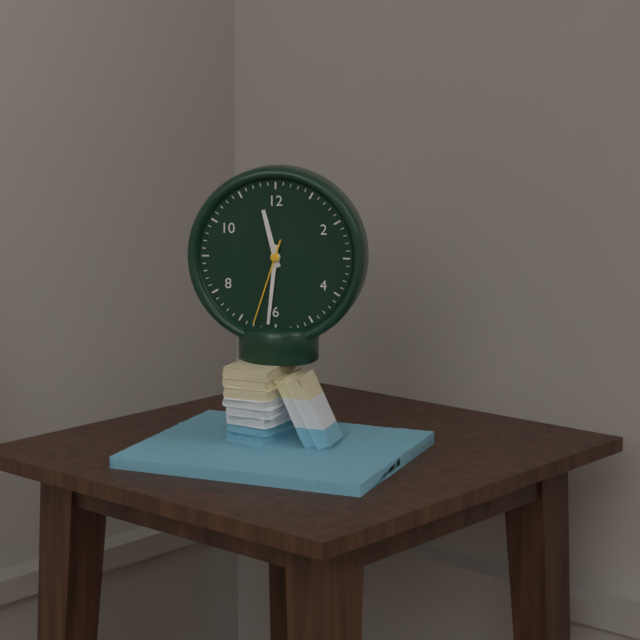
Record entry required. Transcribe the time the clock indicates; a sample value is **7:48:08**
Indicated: **11:31:33**
